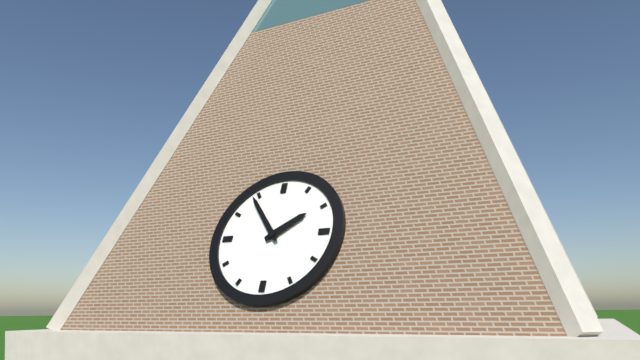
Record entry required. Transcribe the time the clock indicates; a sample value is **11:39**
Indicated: **1:54**
